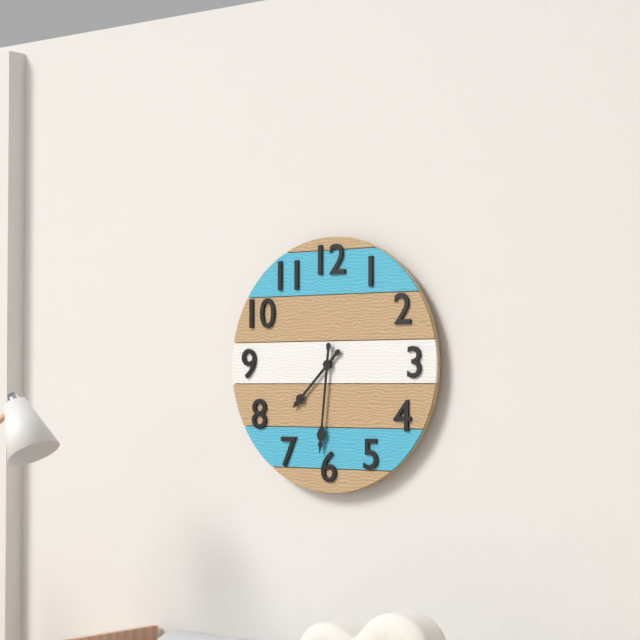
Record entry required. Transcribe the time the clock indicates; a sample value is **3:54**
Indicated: **7:31**
